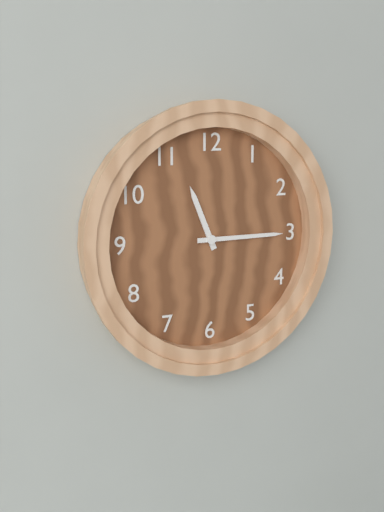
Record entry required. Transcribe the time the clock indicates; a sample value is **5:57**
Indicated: **11:15**
